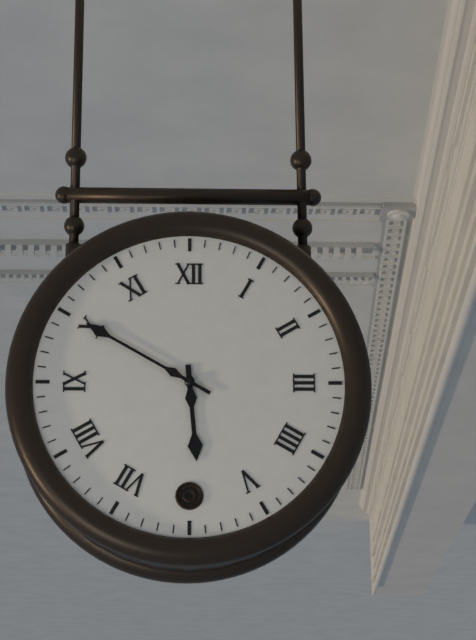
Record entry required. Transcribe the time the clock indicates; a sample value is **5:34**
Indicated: **5:50**
